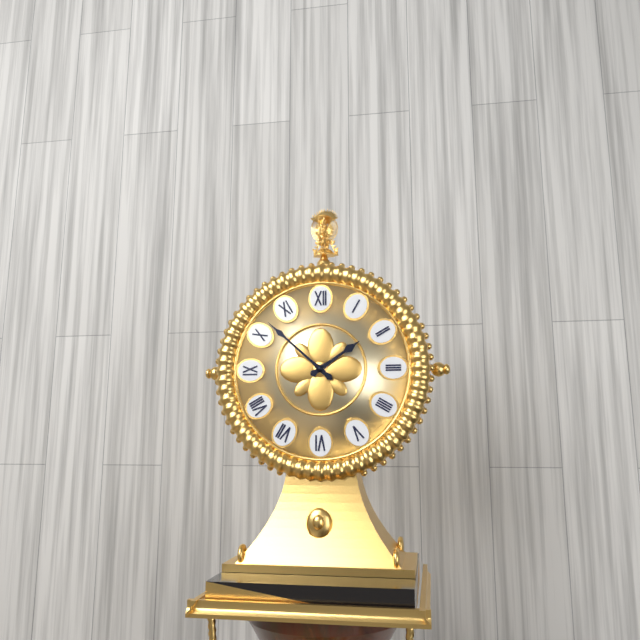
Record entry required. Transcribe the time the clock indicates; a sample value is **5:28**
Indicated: **1:52**
